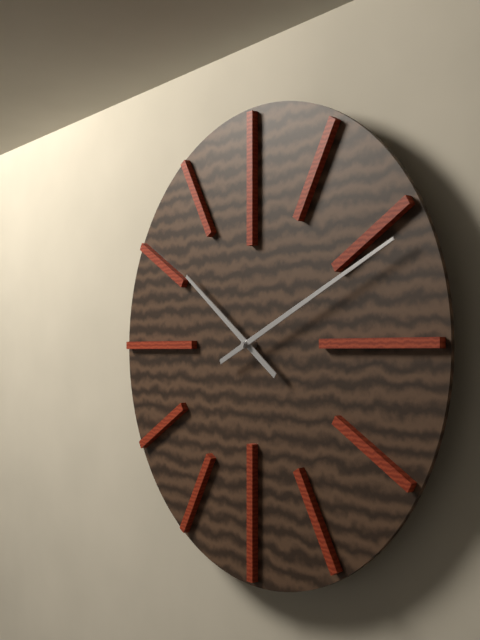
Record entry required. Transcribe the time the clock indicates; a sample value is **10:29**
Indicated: **10:11**
